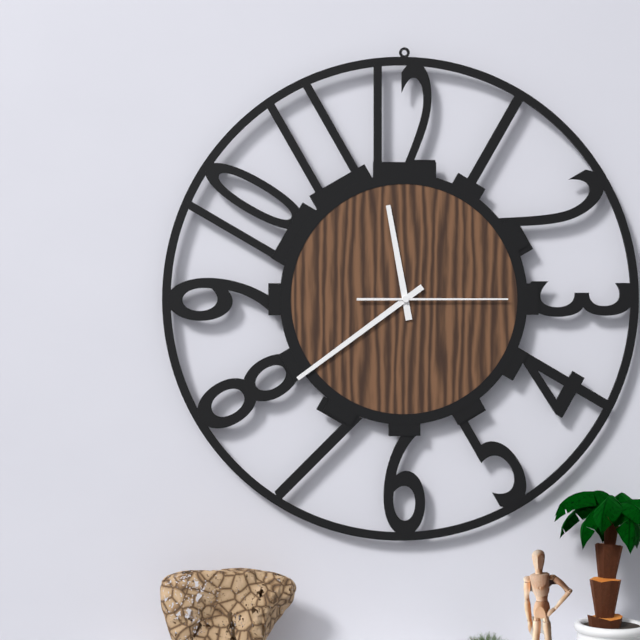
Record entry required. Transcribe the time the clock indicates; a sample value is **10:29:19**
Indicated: **11:39:15**
